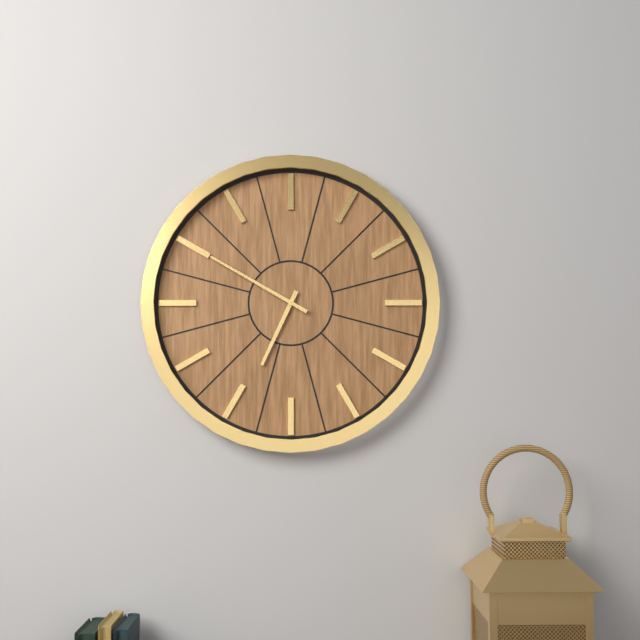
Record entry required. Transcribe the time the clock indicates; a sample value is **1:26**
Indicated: **6:50**
